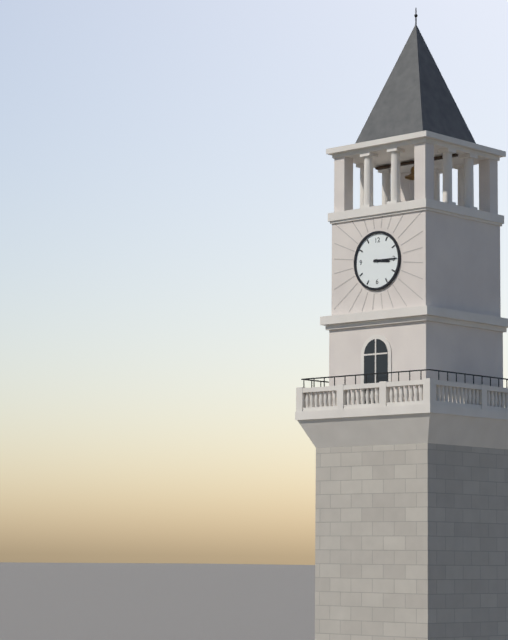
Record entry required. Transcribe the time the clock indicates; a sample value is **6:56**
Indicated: **3:15**
